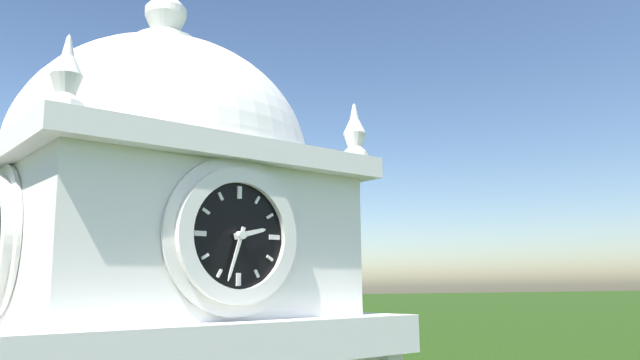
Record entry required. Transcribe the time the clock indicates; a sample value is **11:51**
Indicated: **2:33**
